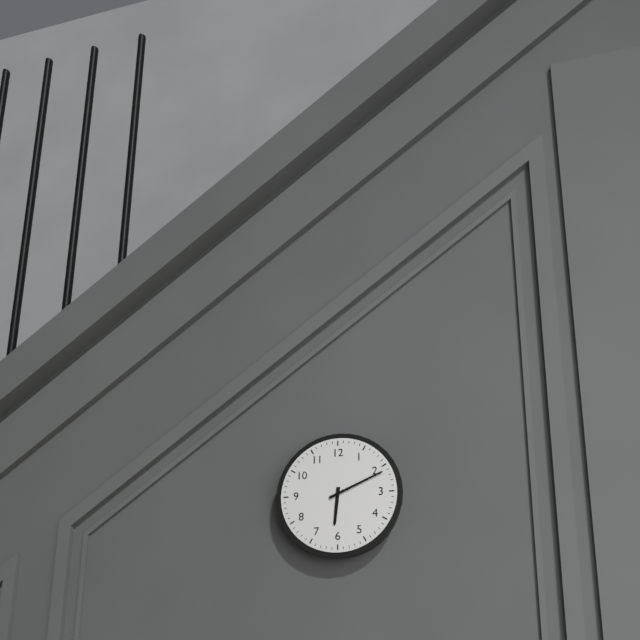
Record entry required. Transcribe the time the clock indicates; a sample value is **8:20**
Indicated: **6:11**
